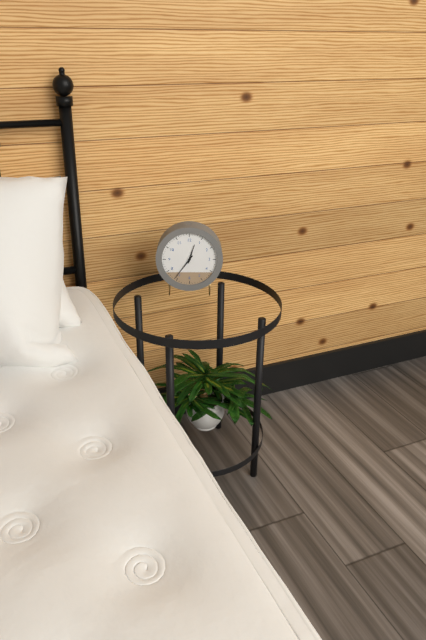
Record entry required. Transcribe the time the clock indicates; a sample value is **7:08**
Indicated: **12:36**
